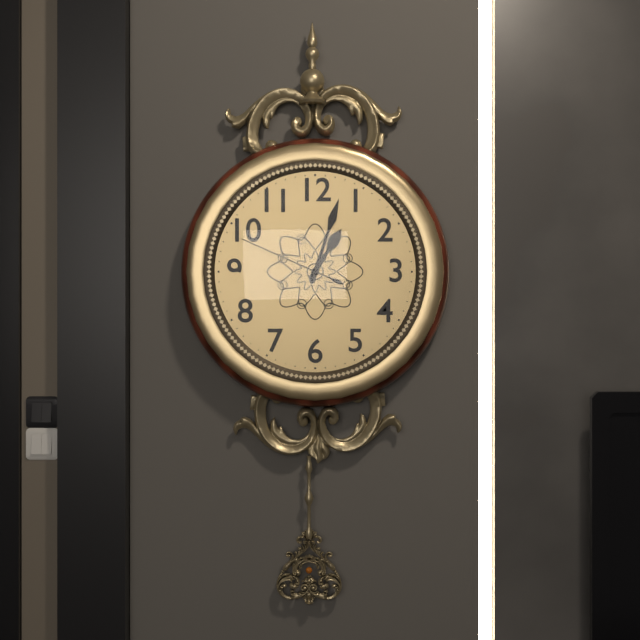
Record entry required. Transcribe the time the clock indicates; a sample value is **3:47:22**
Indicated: **1:03:49**
